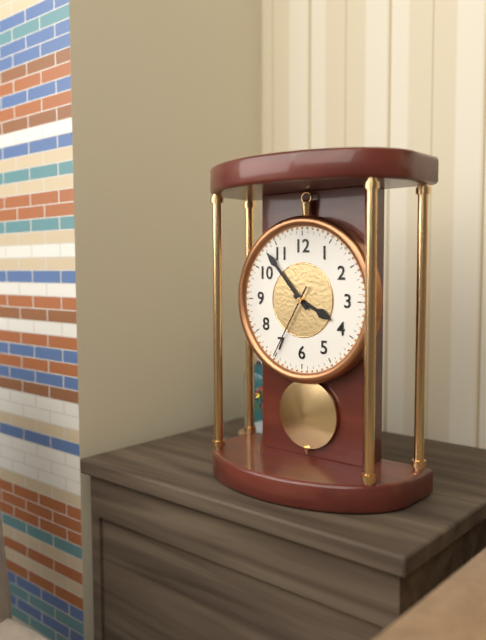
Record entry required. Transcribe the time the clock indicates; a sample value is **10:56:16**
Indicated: **3:53:35**
